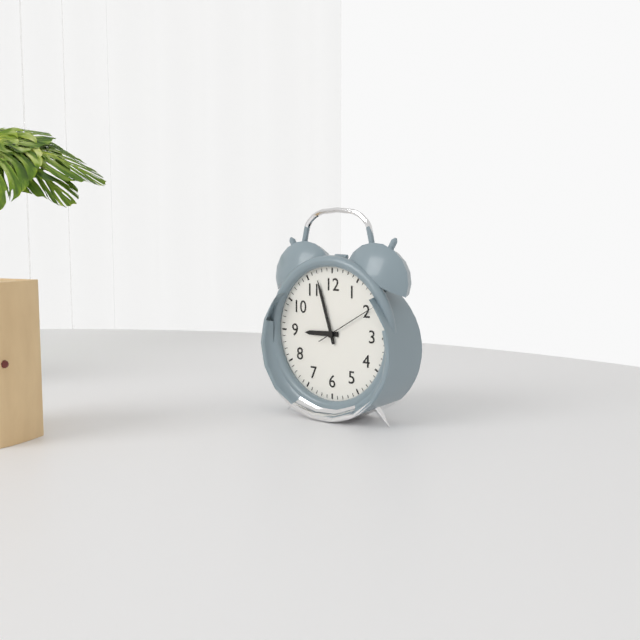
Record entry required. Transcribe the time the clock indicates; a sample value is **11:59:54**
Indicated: **8:57:10**
